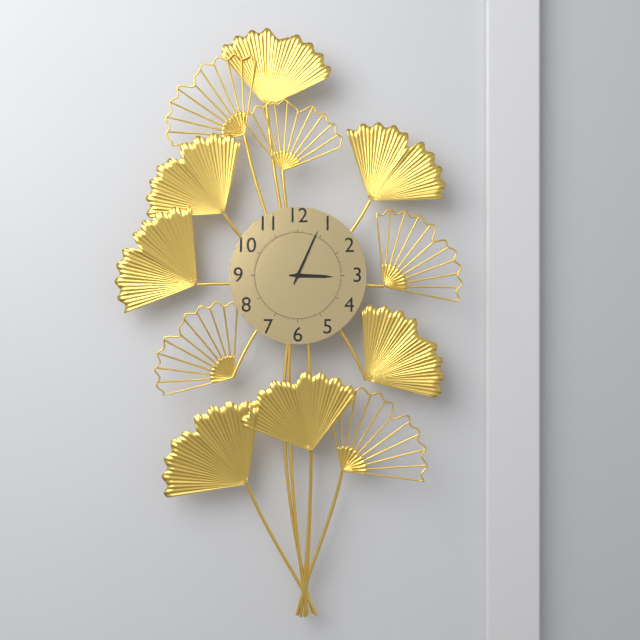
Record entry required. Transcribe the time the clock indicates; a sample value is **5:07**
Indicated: **3:04**
